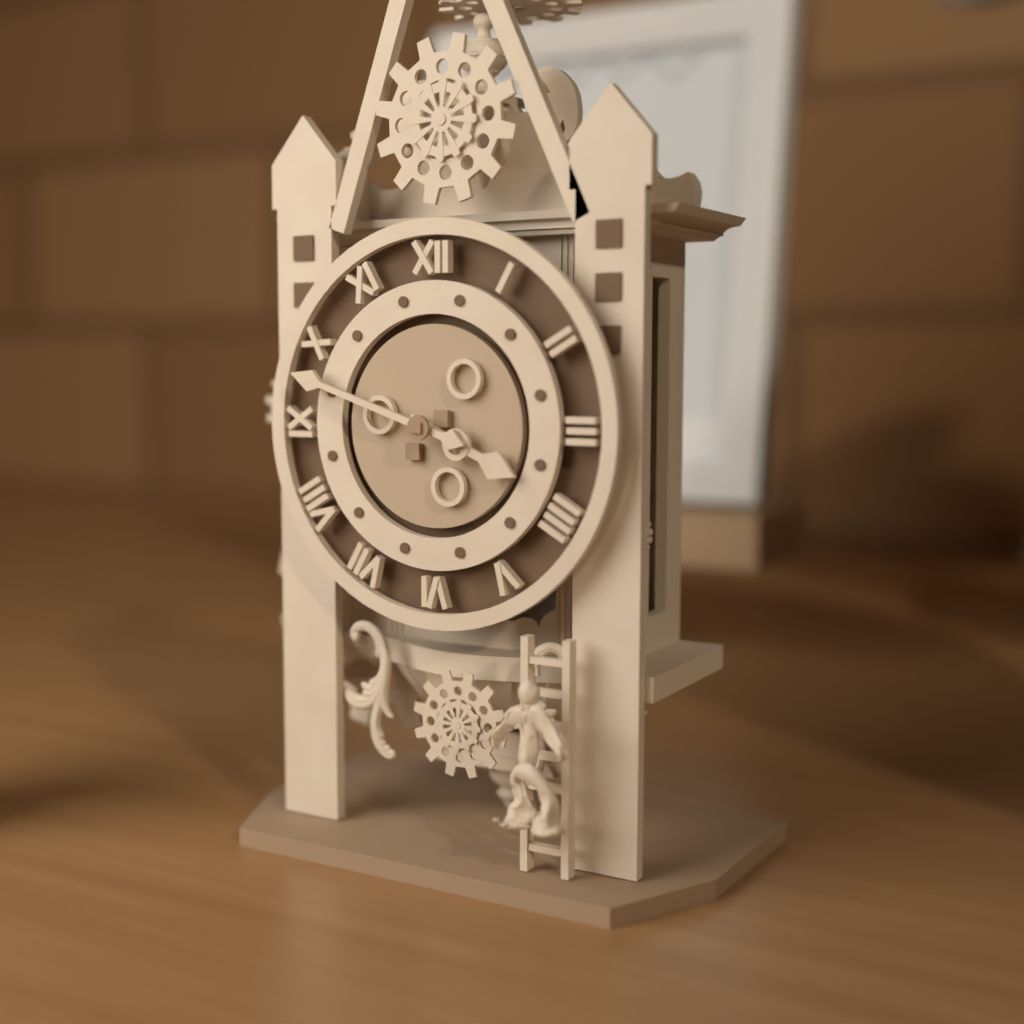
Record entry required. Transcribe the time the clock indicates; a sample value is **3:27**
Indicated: **3:48**
